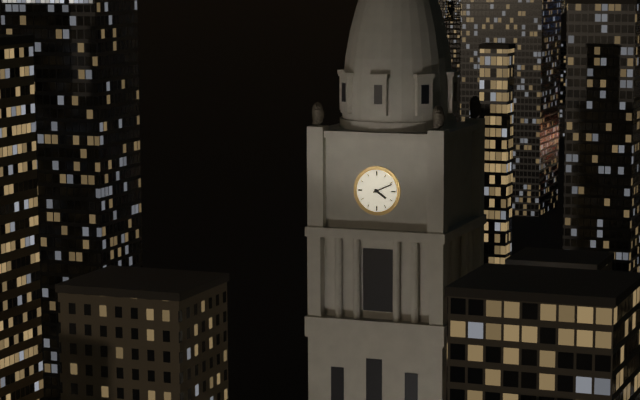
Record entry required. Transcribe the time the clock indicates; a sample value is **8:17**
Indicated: **4:11**
